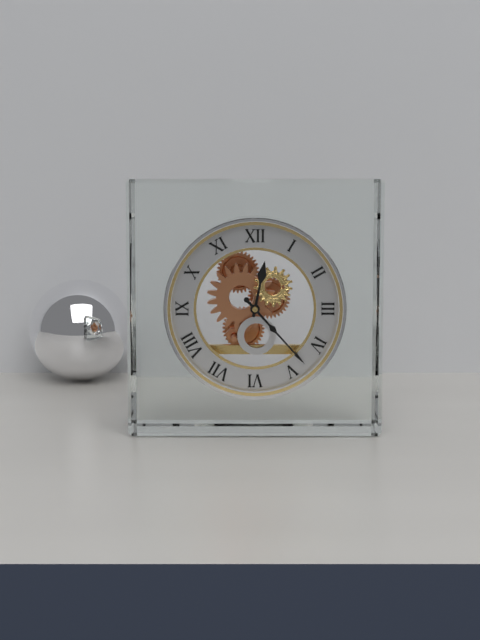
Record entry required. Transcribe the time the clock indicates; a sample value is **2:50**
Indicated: **12:23**
